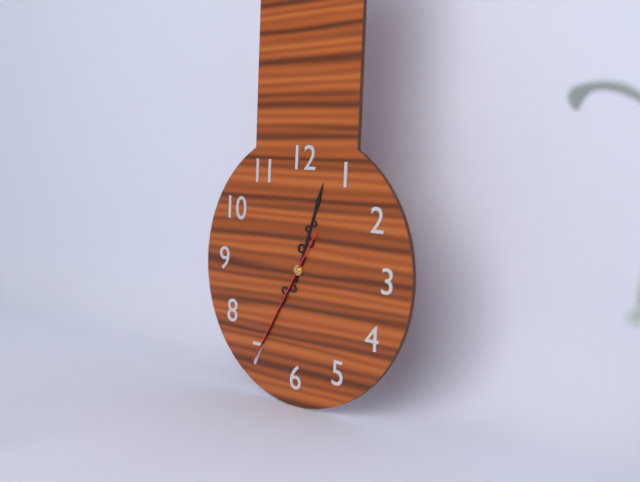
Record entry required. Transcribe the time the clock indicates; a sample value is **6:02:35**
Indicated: **12:35:35**
